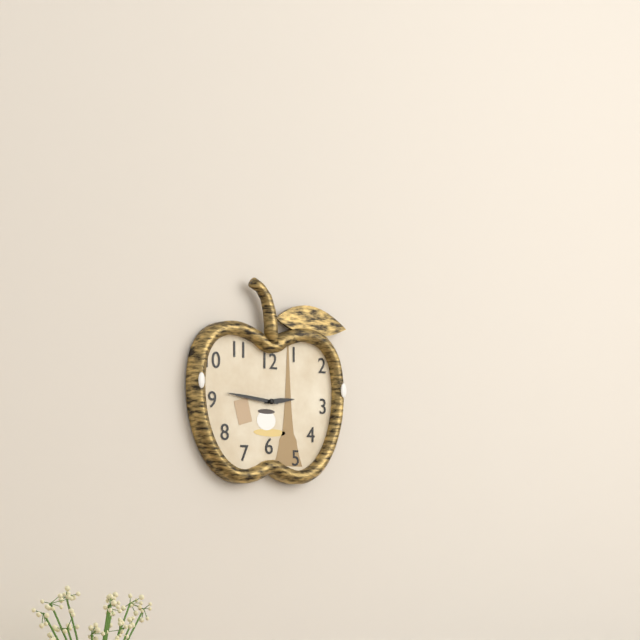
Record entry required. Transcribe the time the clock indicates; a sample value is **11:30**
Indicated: **2:46**
